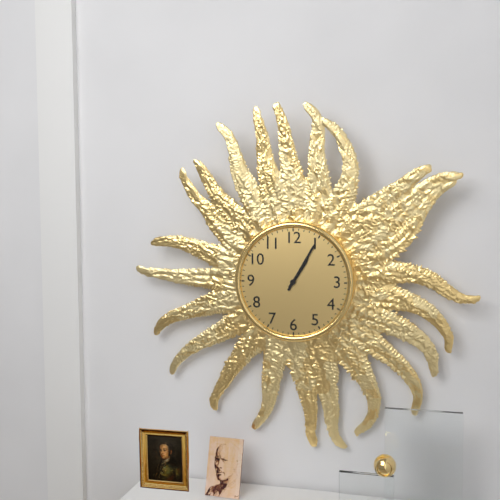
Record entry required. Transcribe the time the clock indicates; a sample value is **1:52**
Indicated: **1:05**
